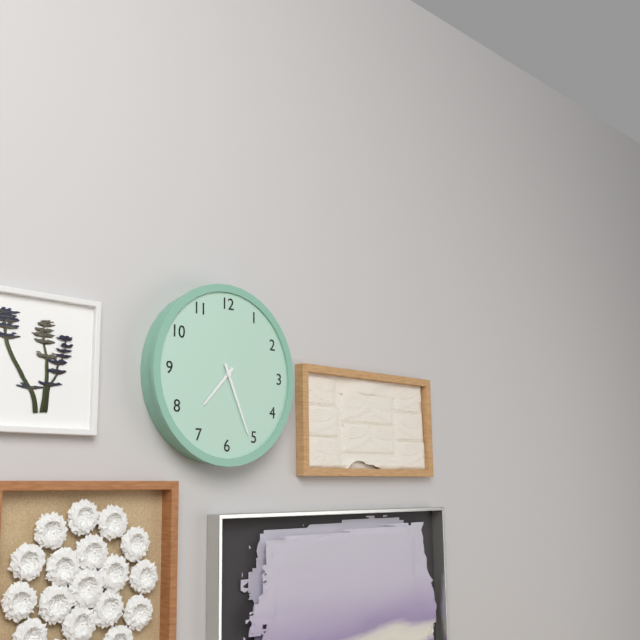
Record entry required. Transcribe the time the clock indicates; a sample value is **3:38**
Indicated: **7:26**
